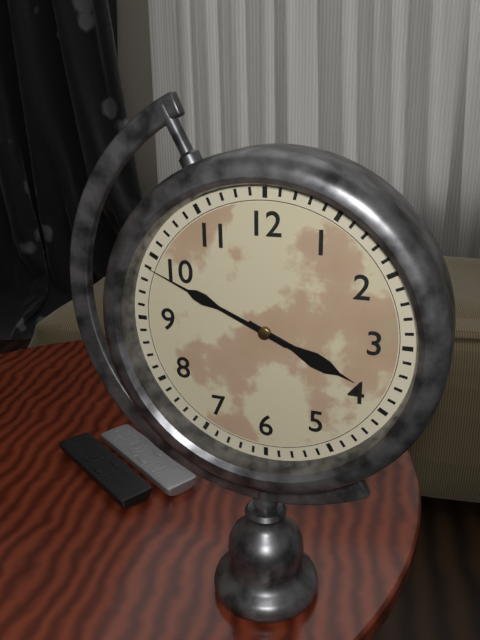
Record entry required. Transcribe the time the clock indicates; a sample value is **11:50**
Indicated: **3:49**
